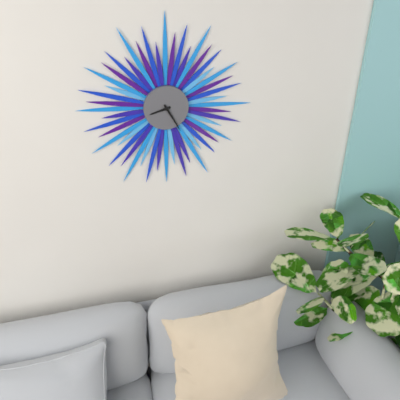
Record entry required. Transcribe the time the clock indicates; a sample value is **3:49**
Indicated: **8:25**
